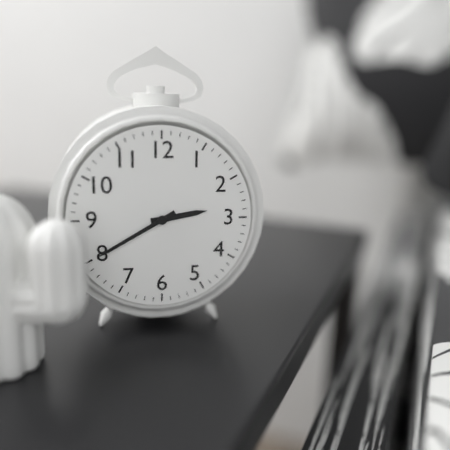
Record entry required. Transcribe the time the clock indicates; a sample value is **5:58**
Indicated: **2:40**
